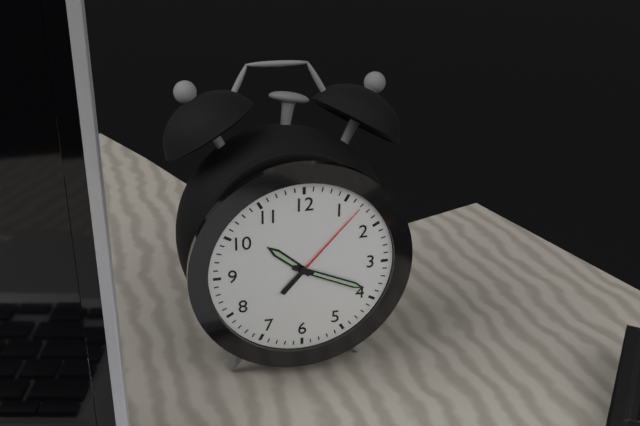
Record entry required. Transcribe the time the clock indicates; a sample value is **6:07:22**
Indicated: **10:19:07**
